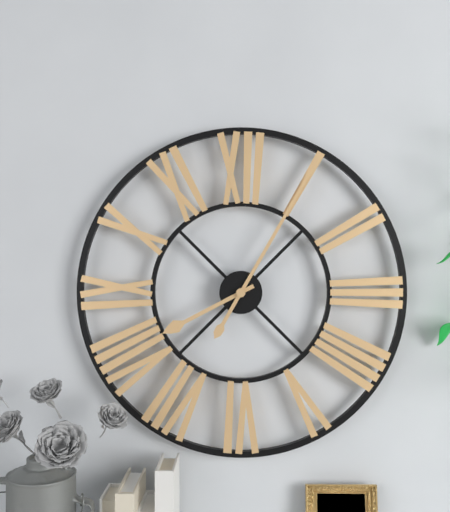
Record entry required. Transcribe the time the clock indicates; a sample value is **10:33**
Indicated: **8:05**
